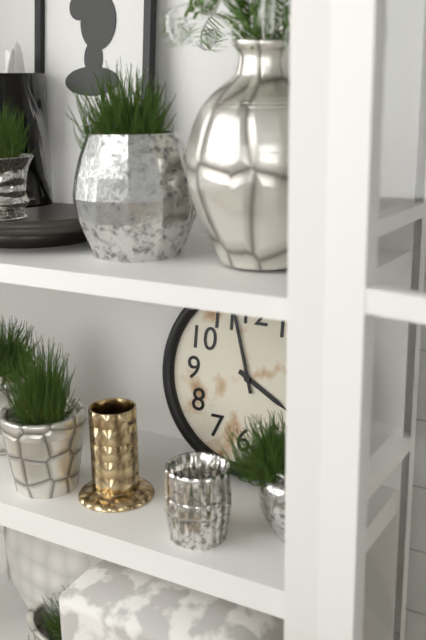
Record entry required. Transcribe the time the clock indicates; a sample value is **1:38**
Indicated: **3:57**
